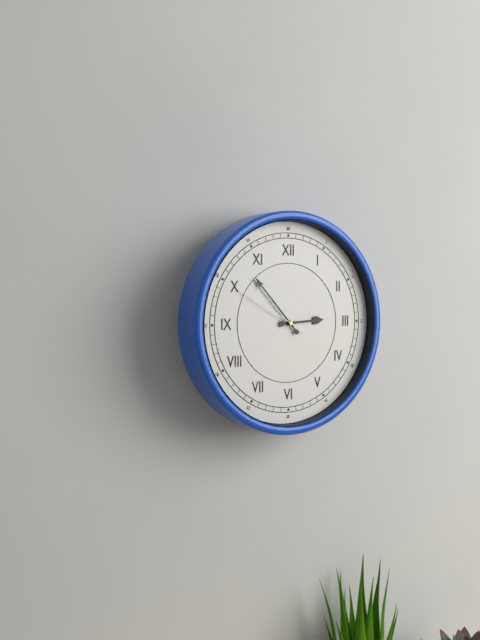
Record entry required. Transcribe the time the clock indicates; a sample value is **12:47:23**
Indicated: **2:53:50**
